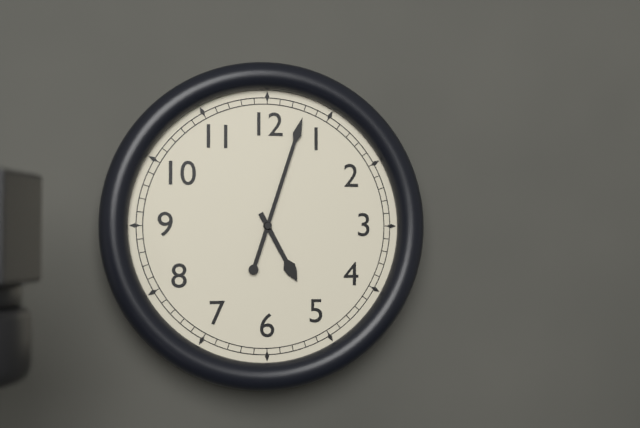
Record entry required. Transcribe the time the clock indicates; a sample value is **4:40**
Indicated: **5:03**
